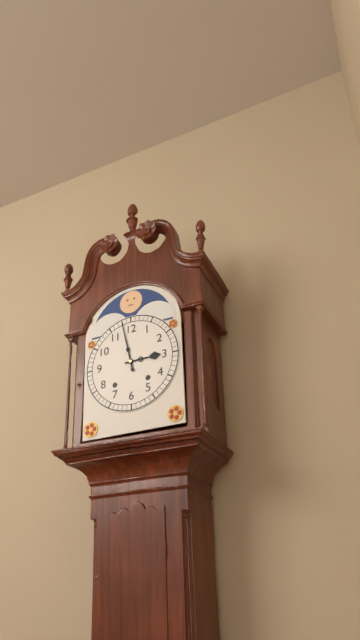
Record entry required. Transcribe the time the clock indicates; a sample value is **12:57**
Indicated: **2:58**
